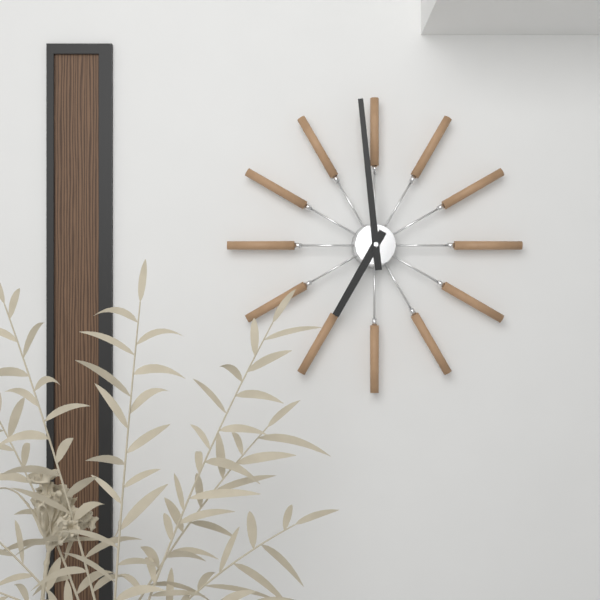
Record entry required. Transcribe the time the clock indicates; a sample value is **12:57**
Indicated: **6:59**
